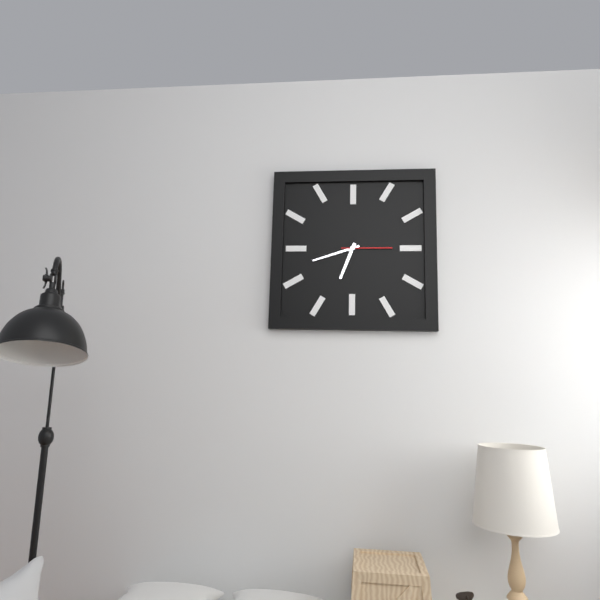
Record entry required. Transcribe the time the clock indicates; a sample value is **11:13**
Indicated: **6:42**
